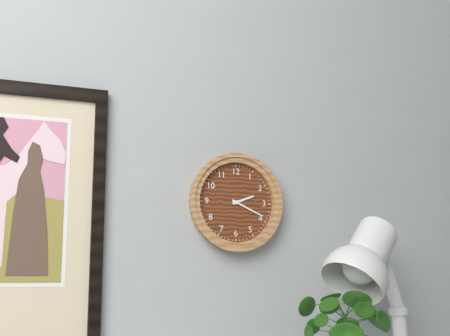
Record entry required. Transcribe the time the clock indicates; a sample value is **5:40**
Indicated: **2:19**
